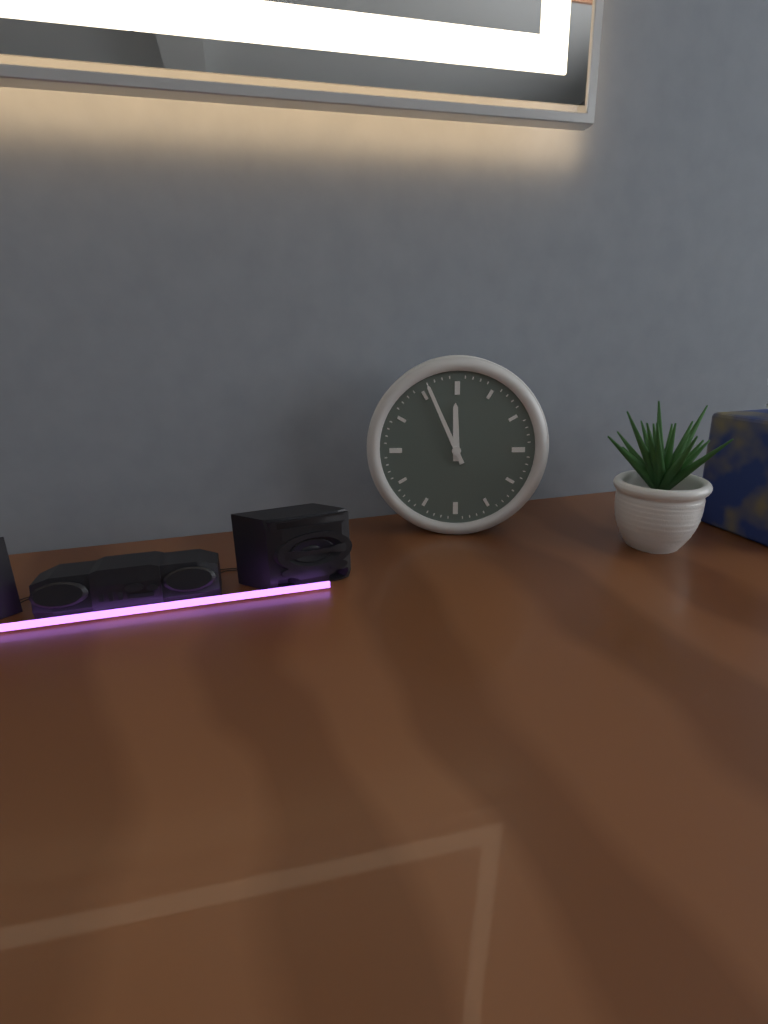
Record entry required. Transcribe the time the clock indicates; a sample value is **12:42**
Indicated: **11:56**
